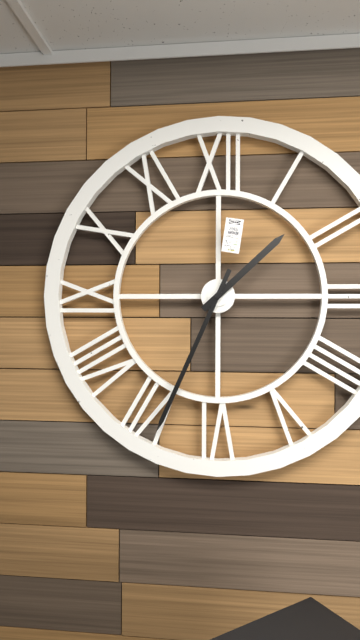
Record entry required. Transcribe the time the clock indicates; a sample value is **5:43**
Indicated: **1:34**
